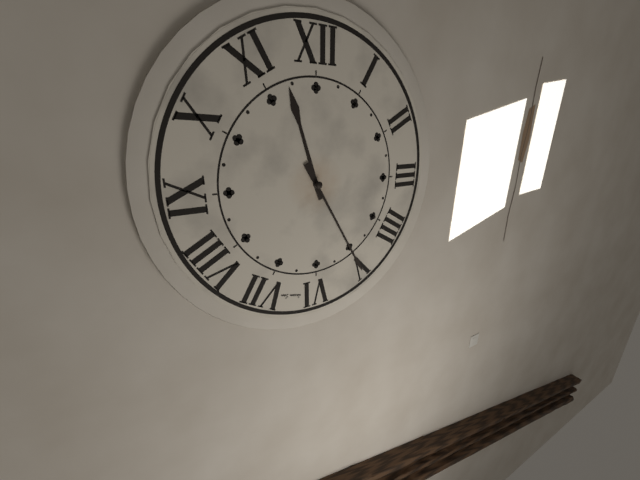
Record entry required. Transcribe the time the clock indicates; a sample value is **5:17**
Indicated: **11:25**
